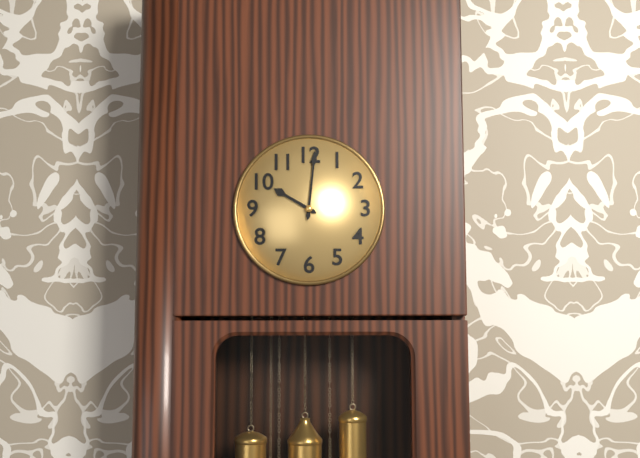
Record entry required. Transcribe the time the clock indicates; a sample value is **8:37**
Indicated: **10:01**
